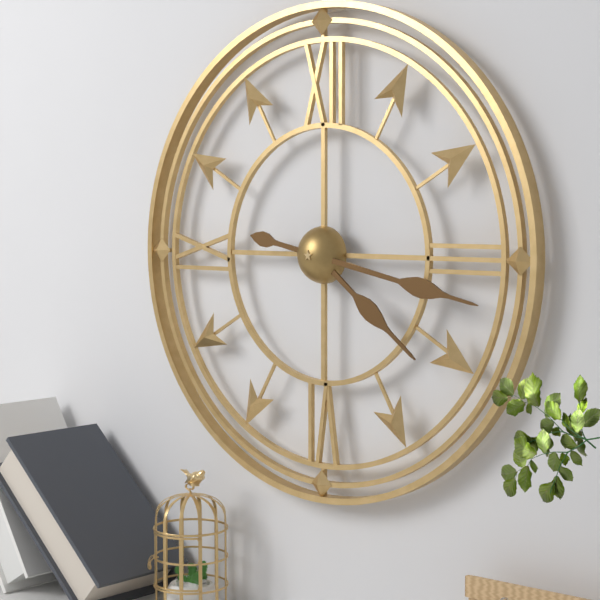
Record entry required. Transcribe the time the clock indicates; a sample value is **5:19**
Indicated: **4:17**
